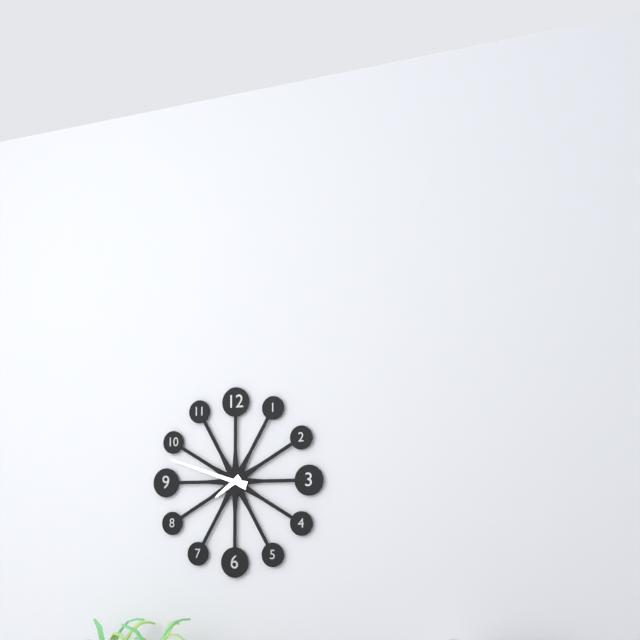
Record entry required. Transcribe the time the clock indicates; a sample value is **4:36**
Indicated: **7:48**
